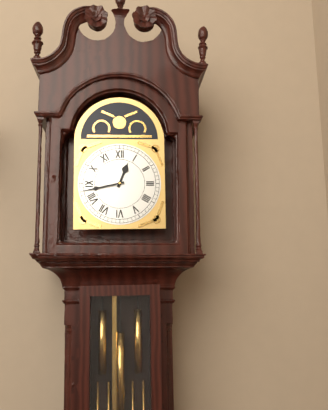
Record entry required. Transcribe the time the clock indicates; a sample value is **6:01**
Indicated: **12:43**
